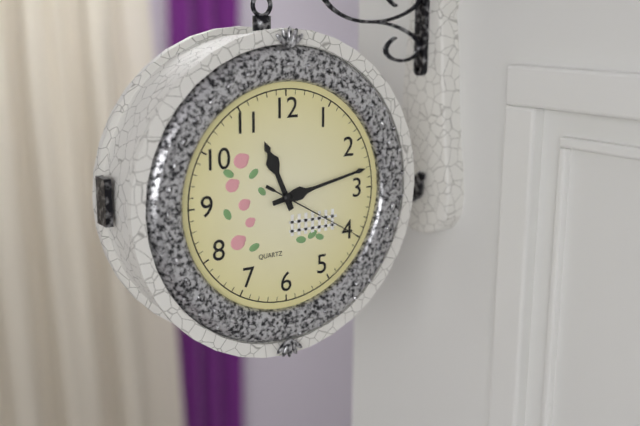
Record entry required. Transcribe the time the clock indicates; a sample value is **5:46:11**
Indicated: **11:13:20**
